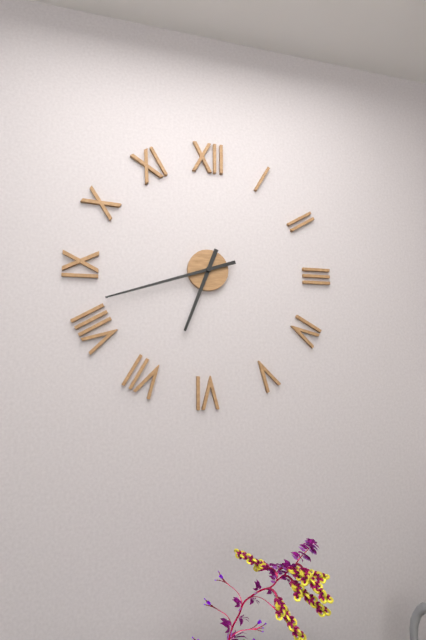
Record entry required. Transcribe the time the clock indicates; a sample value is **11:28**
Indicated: **6:42**
